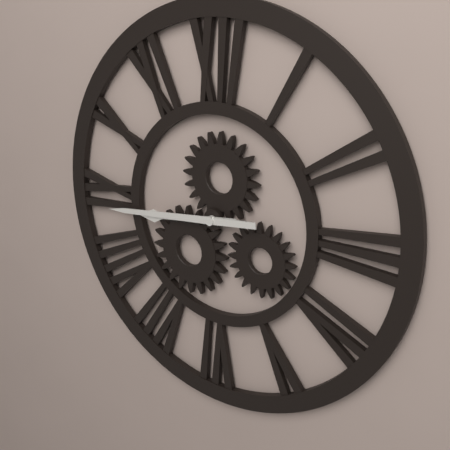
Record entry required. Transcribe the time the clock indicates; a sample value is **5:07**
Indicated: **8:44**
